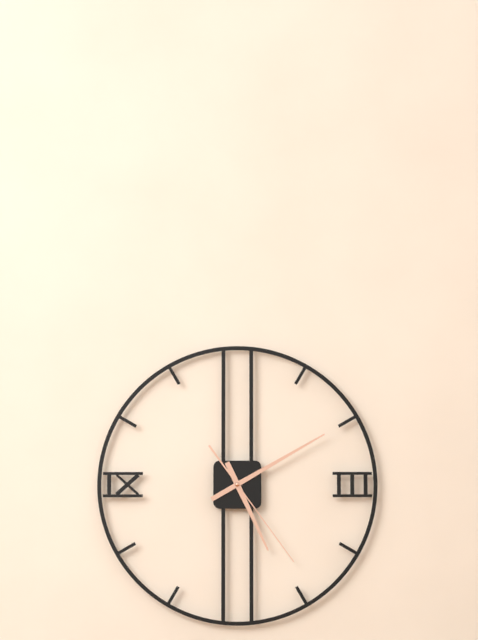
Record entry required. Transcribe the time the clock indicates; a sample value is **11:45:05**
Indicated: **5:10:24**
